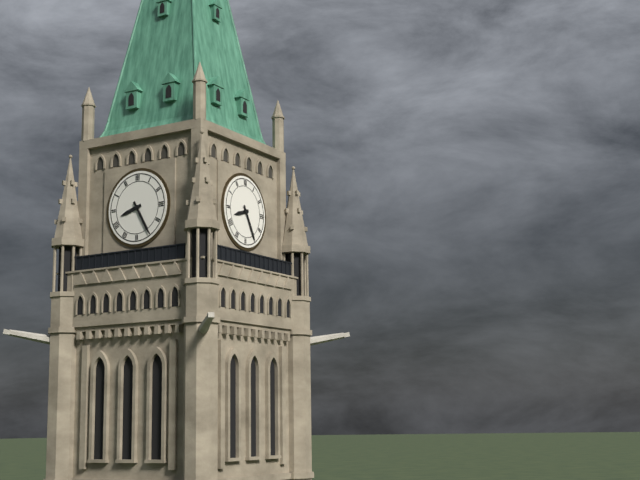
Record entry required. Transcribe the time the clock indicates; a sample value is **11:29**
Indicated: **8:25**
